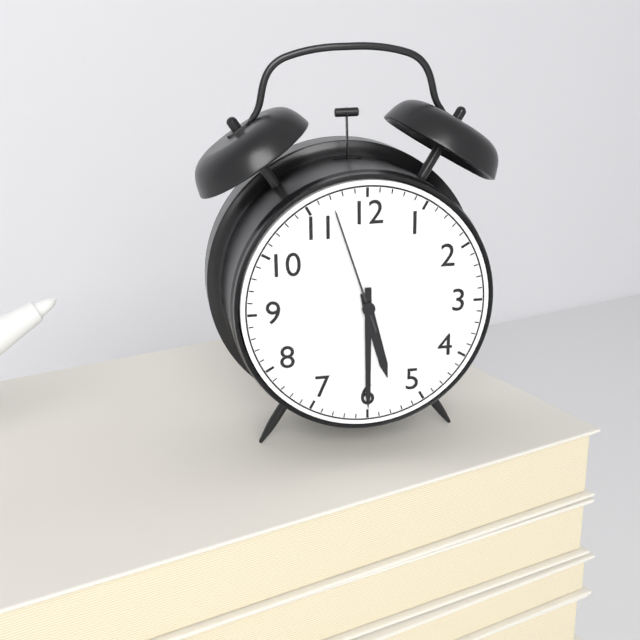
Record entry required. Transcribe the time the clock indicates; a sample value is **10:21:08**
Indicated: **5:30:57**
